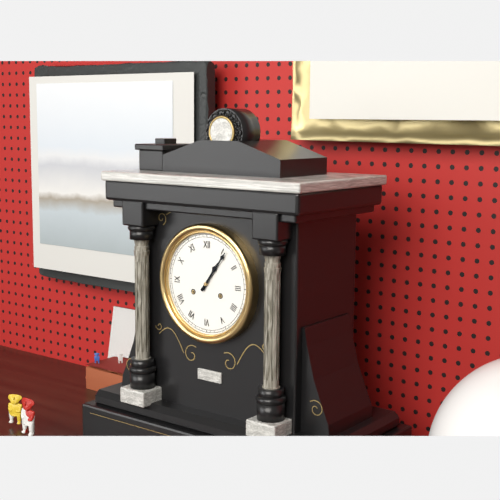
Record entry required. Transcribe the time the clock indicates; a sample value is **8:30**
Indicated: **1:06**
